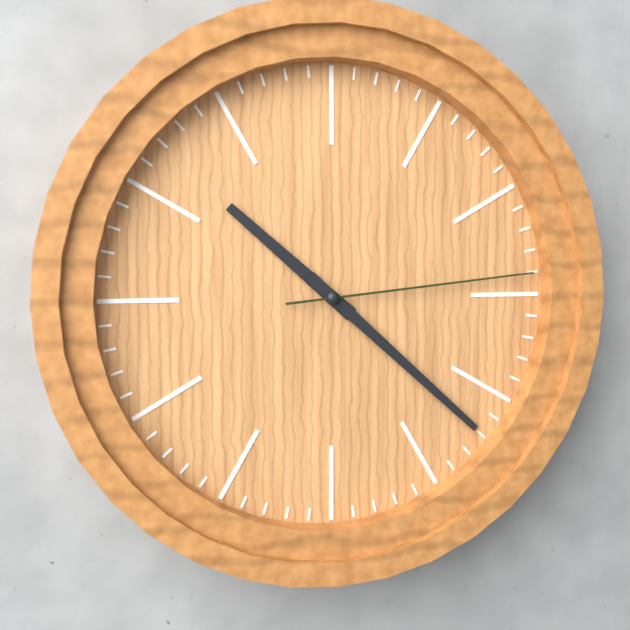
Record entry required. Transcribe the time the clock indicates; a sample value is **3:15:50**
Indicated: **10:22:14**
